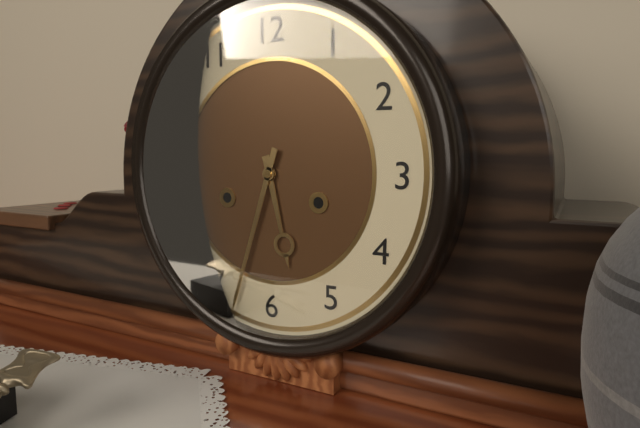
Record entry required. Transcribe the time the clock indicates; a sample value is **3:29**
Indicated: **5:33**
